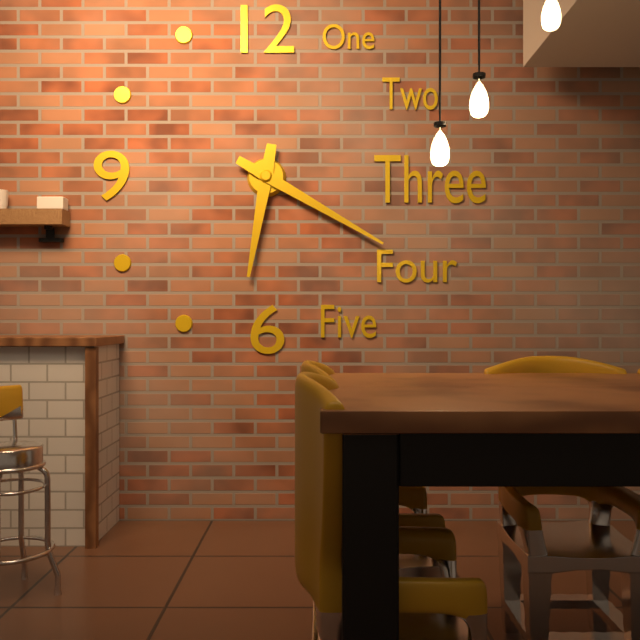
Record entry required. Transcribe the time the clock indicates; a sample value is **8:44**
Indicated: **6:20**
